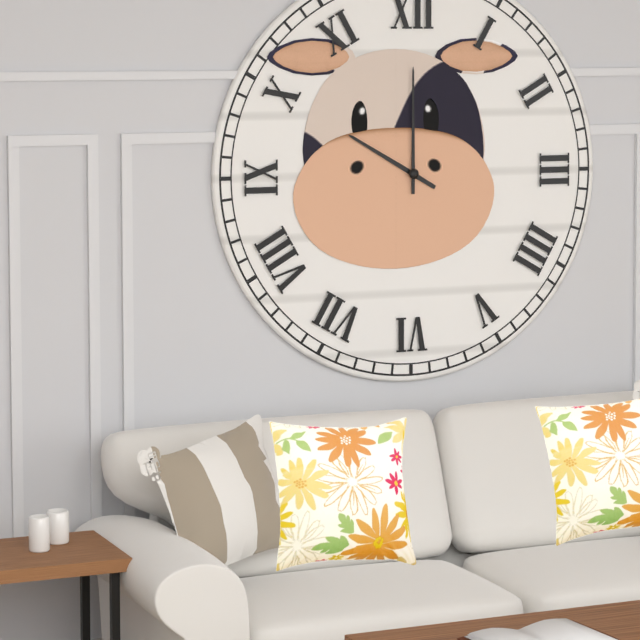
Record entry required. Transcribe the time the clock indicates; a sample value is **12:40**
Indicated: **10:00**
